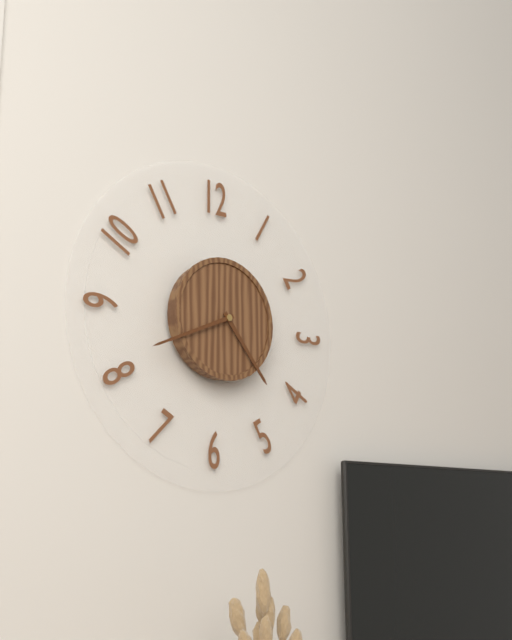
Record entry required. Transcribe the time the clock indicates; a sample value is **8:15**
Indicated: **4:41**
